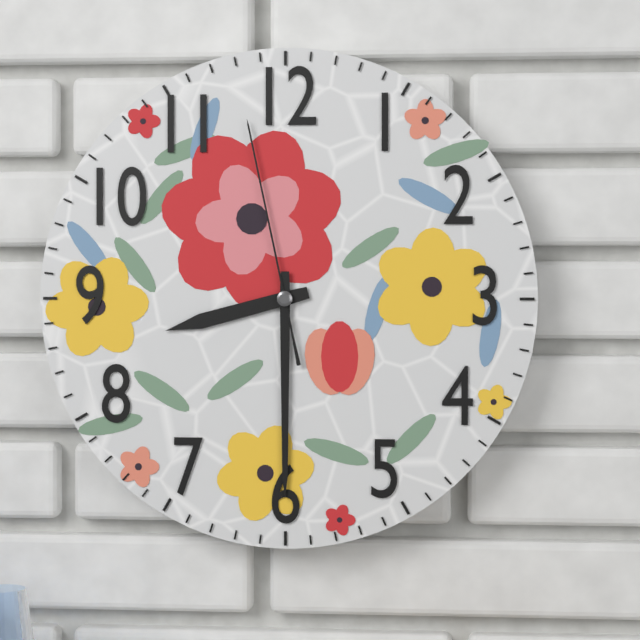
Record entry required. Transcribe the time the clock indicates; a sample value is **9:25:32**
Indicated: **8:30:58**
